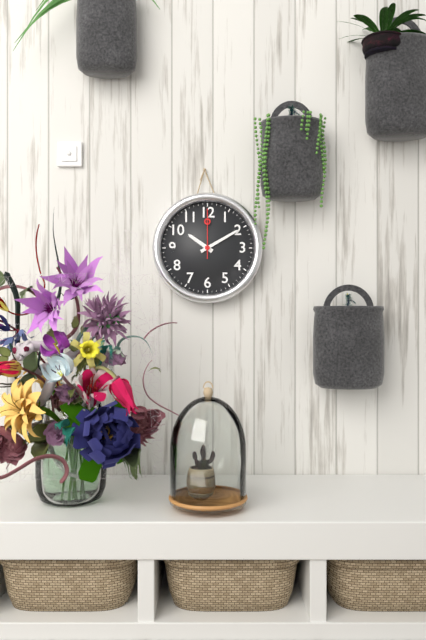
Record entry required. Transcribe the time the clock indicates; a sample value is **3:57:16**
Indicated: **10:10:00**
